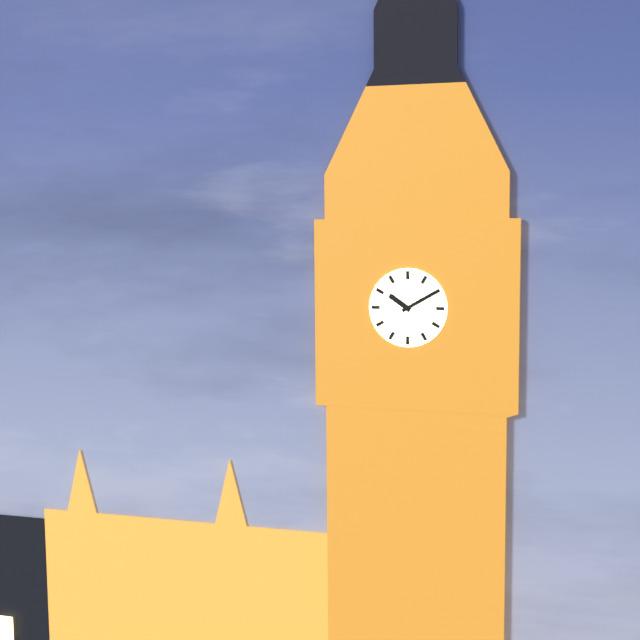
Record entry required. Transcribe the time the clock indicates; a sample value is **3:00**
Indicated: **10:10**
